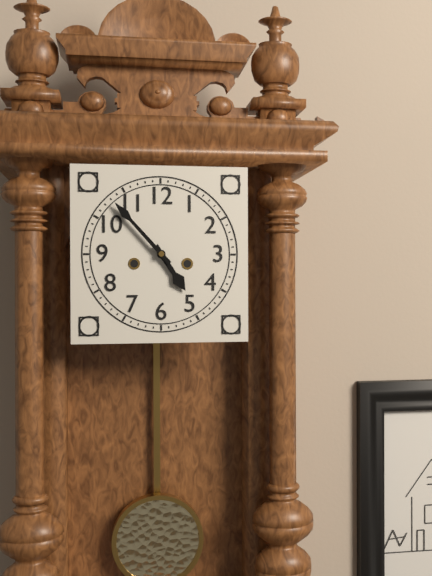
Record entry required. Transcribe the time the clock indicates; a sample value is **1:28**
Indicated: **4:53**
